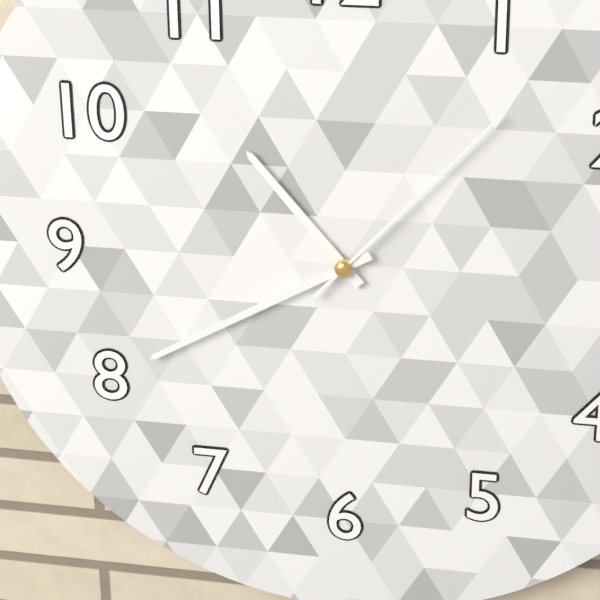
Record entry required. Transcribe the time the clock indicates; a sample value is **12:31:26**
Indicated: **10:40:07**
